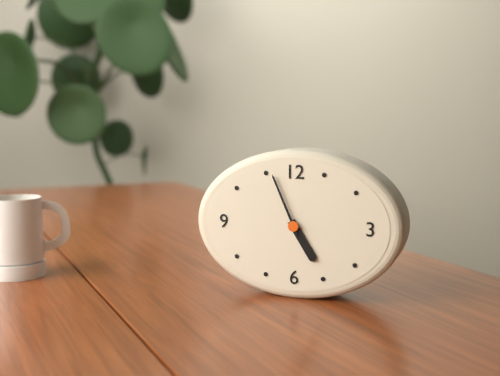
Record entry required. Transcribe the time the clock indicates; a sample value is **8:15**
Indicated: **4:56**
